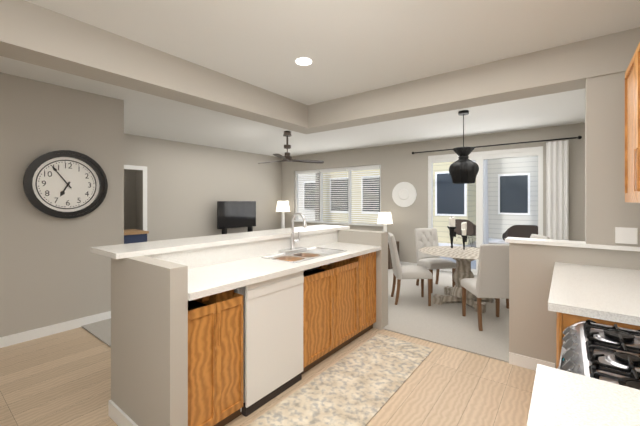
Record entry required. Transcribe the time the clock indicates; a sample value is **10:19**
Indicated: **6:54**
